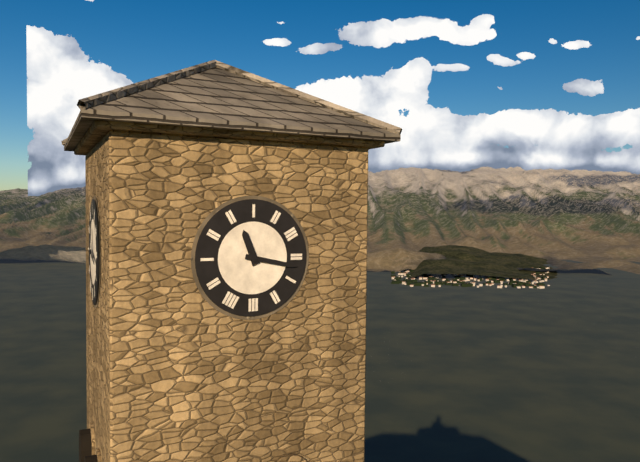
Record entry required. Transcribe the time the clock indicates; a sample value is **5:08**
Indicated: **11:17**
